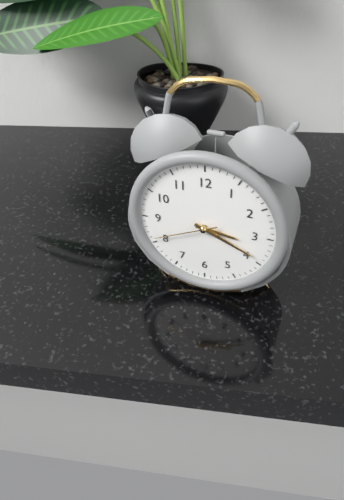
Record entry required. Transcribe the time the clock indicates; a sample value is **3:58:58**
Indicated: **3:19:41**
